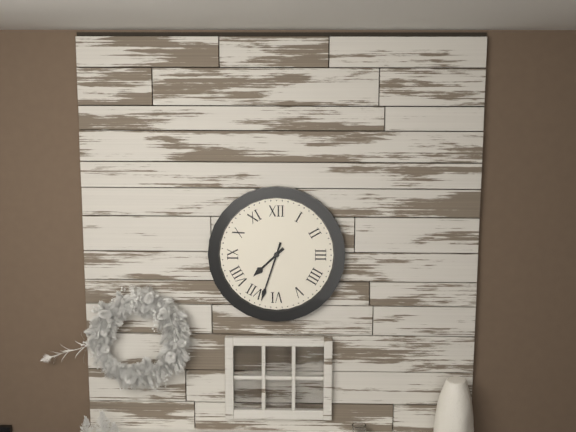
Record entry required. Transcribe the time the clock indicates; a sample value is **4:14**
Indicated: **7:33**
